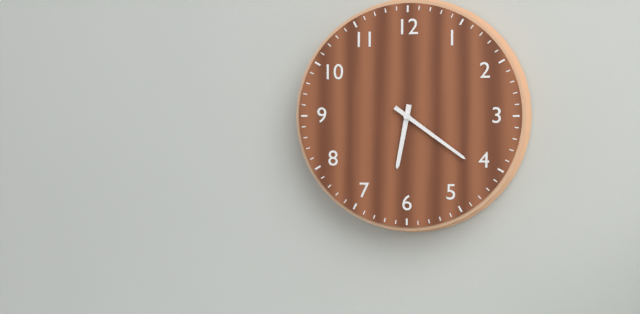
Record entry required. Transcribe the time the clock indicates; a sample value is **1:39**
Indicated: **6:21**
